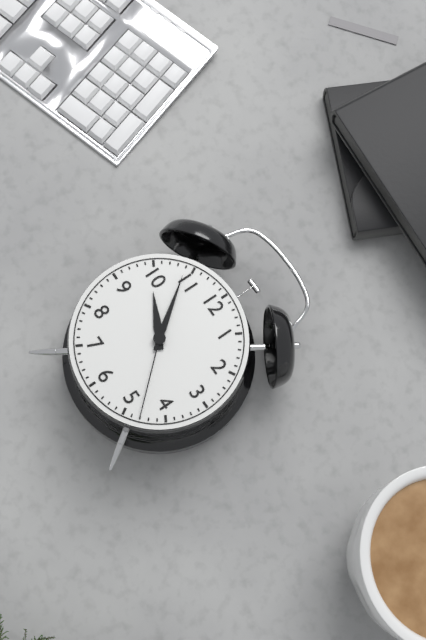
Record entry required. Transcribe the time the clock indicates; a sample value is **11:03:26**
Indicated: **9:54:23**
